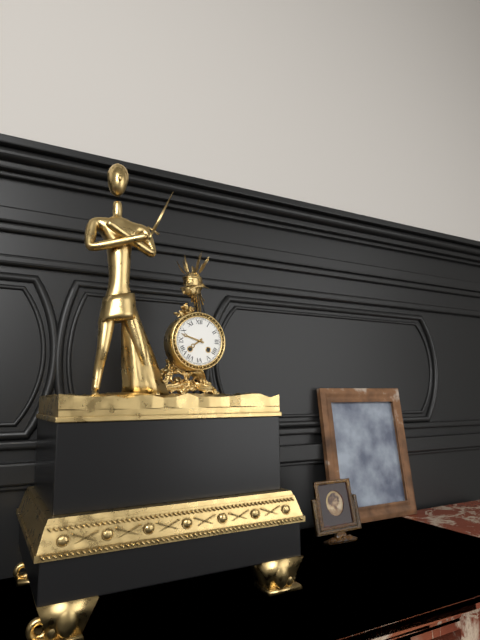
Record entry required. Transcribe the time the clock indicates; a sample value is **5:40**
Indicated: **7:48**
